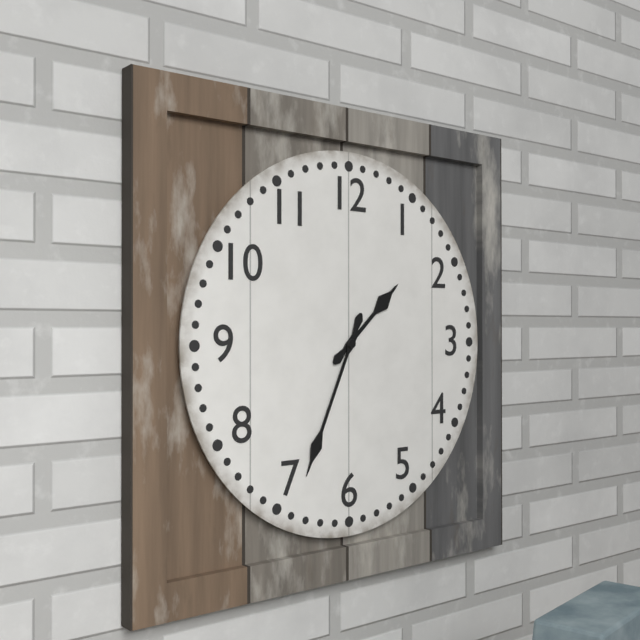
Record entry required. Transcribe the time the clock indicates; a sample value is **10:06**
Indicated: **1:34**
